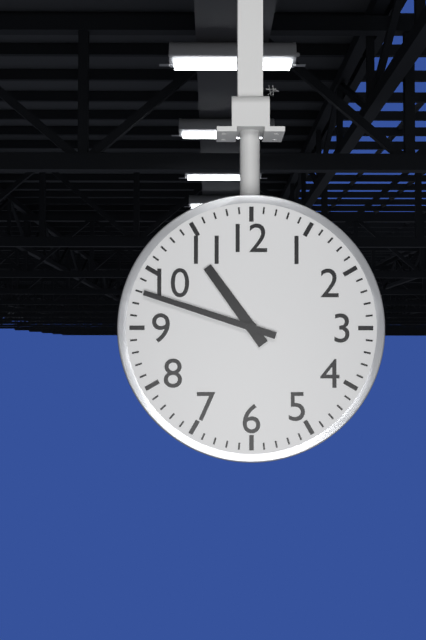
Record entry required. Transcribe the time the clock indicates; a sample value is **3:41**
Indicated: **10:48**
